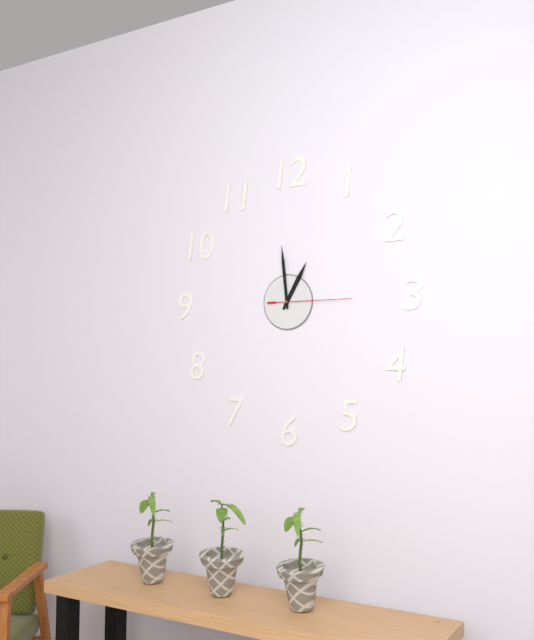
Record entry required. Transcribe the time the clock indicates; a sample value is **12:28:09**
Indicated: **12:59:15**
